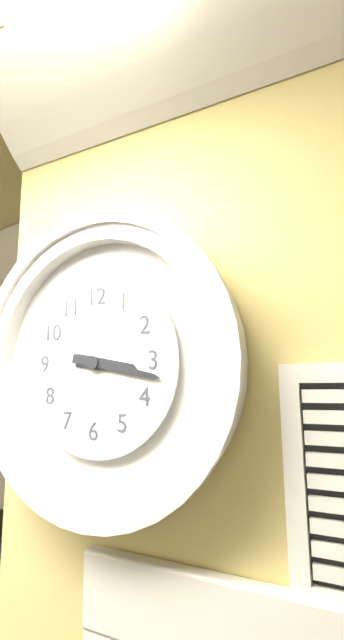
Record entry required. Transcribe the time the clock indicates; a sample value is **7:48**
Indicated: **3:17**
